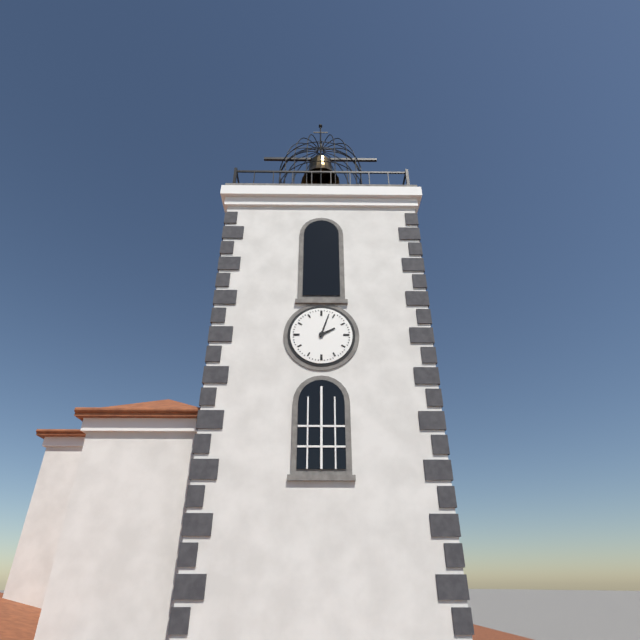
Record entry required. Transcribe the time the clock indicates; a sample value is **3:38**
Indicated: **2:03**
